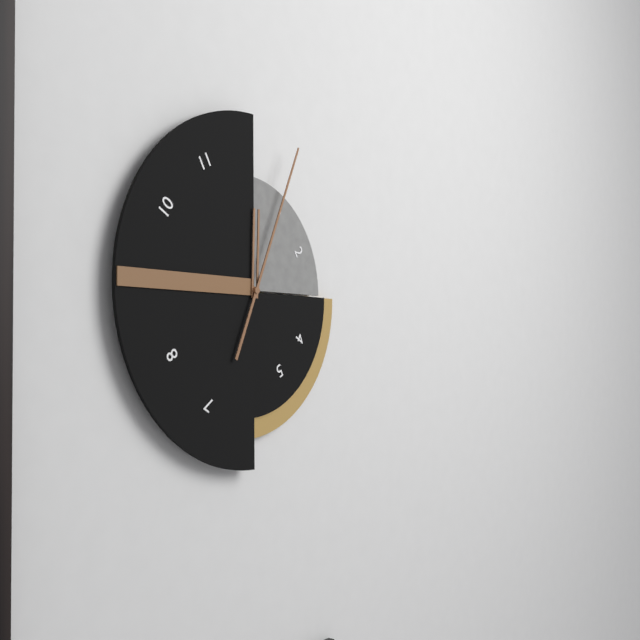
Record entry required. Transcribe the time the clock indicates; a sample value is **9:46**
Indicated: **12:04**
